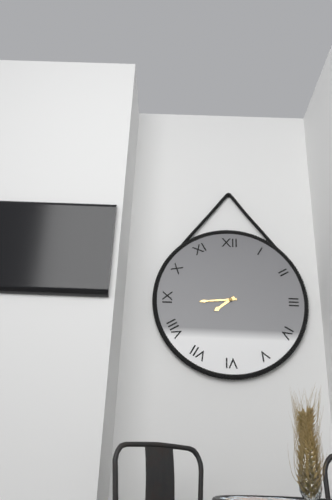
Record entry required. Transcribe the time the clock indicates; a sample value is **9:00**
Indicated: **7:44**
